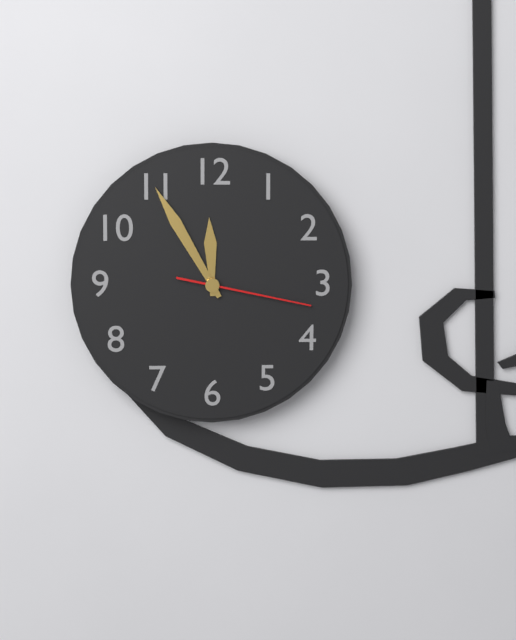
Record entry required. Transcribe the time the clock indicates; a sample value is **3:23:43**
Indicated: **11:55:17**
